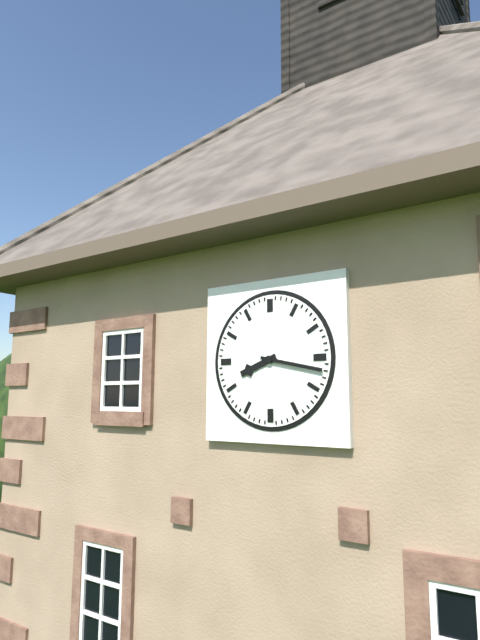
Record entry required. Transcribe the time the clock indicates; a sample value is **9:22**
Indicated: **8:17**
